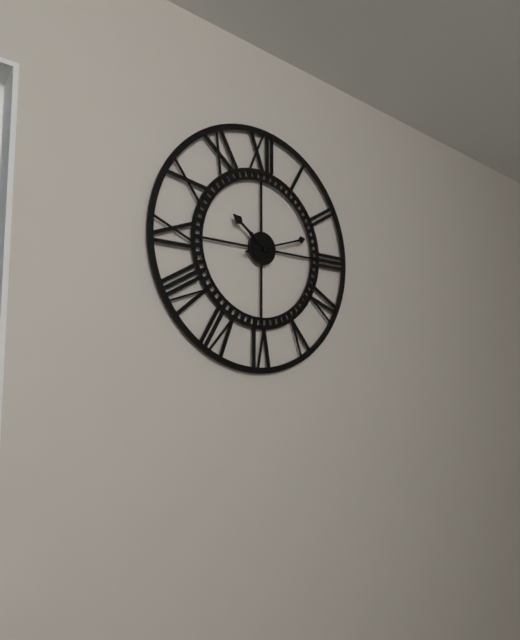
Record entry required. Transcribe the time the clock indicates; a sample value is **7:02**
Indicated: **10:12**
